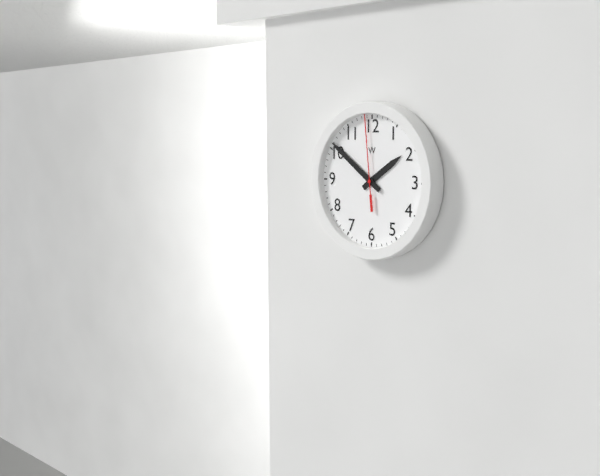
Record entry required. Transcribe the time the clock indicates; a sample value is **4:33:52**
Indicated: **1:51:59**
